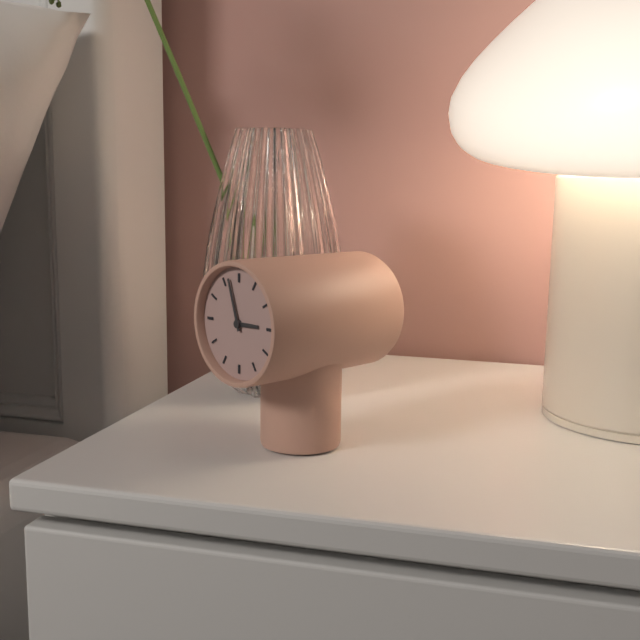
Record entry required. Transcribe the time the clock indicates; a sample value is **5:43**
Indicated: **2:57**
